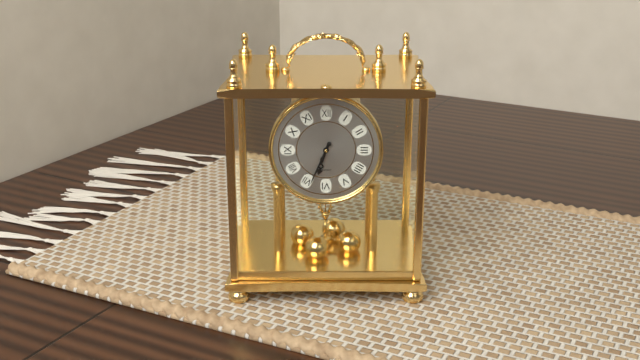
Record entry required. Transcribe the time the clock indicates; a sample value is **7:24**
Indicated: **6:34**
